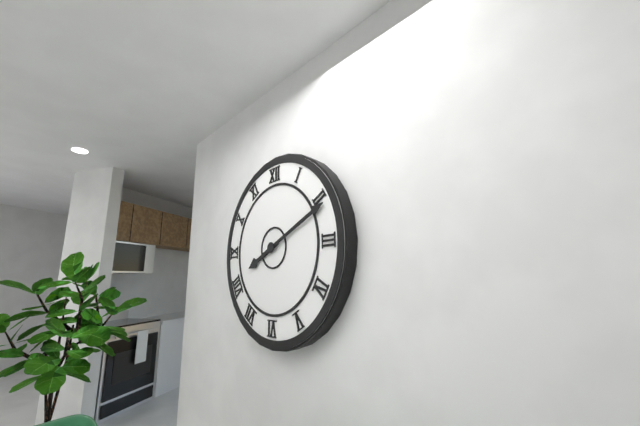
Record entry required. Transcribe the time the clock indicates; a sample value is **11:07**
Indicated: **8:11**
